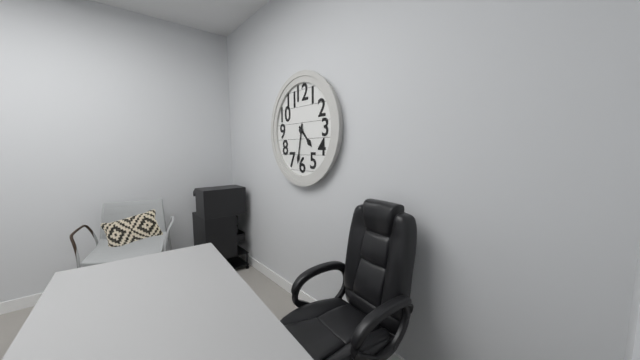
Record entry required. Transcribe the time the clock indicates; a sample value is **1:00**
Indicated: **4:32**
